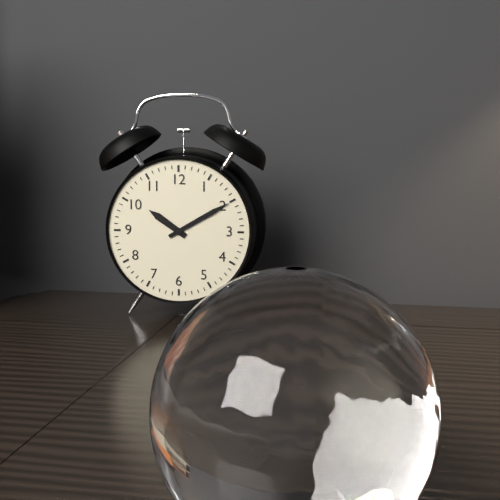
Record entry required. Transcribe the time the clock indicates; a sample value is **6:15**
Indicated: **10:10**
